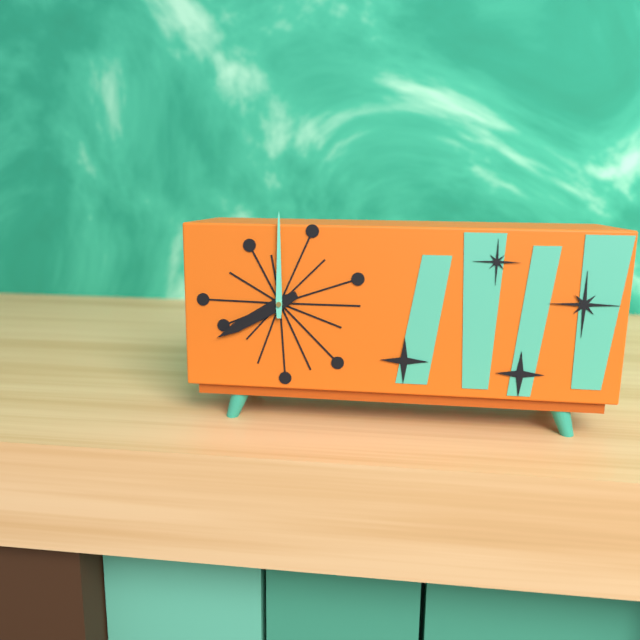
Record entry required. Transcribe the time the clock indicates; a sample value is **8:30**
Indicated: **8:00**
